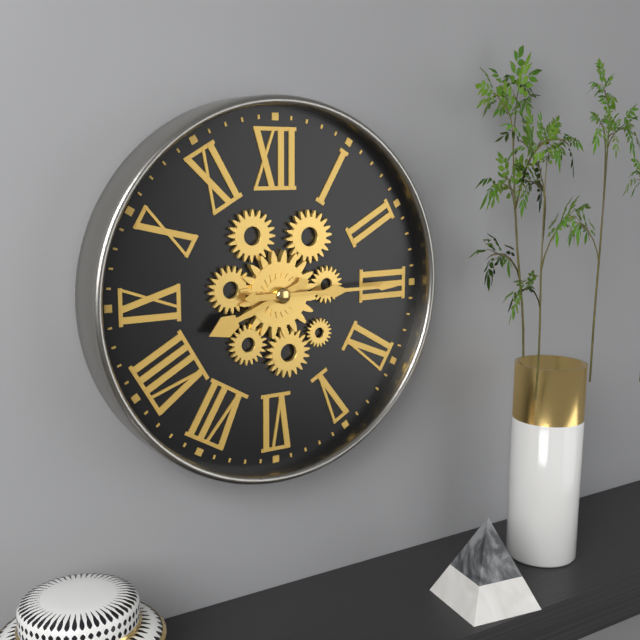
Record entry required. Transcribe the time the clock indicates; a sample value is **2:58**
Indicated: **8:15**
